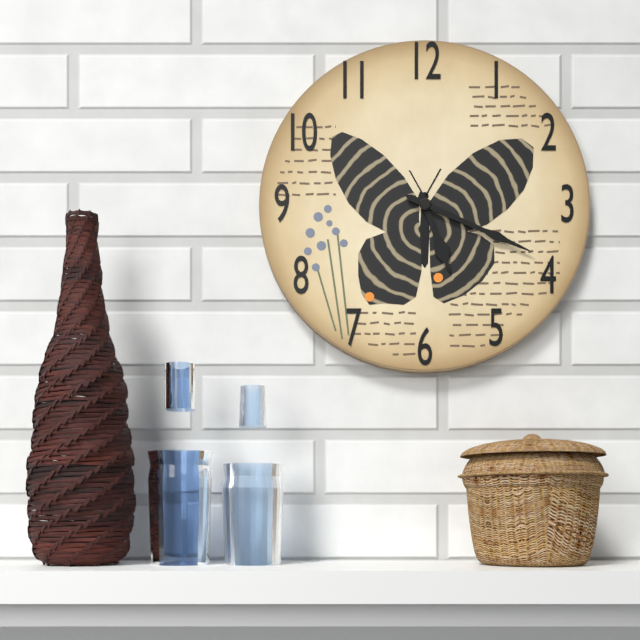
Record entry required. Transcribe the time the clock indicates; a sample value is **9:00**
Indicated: **5:19**
